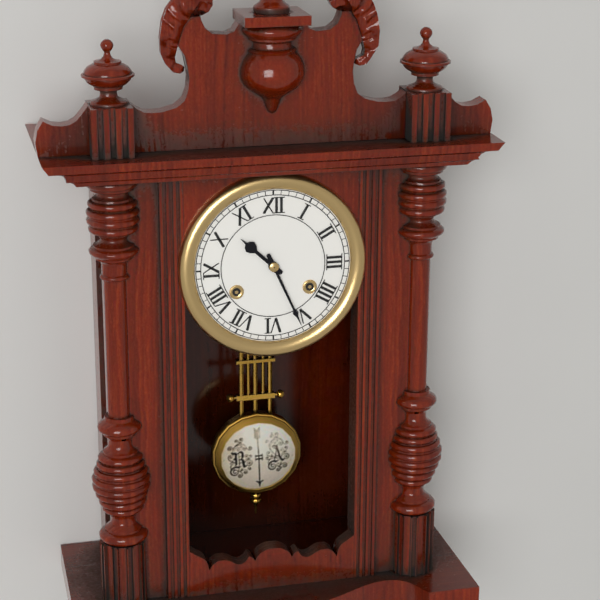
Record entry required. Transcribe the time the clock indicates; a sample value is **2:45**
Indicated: **10:26**
